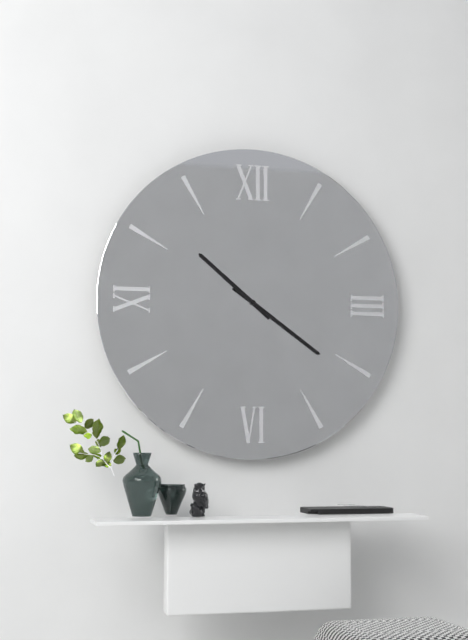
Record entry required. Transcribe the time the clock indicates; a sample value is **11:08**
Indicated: **10:21**
